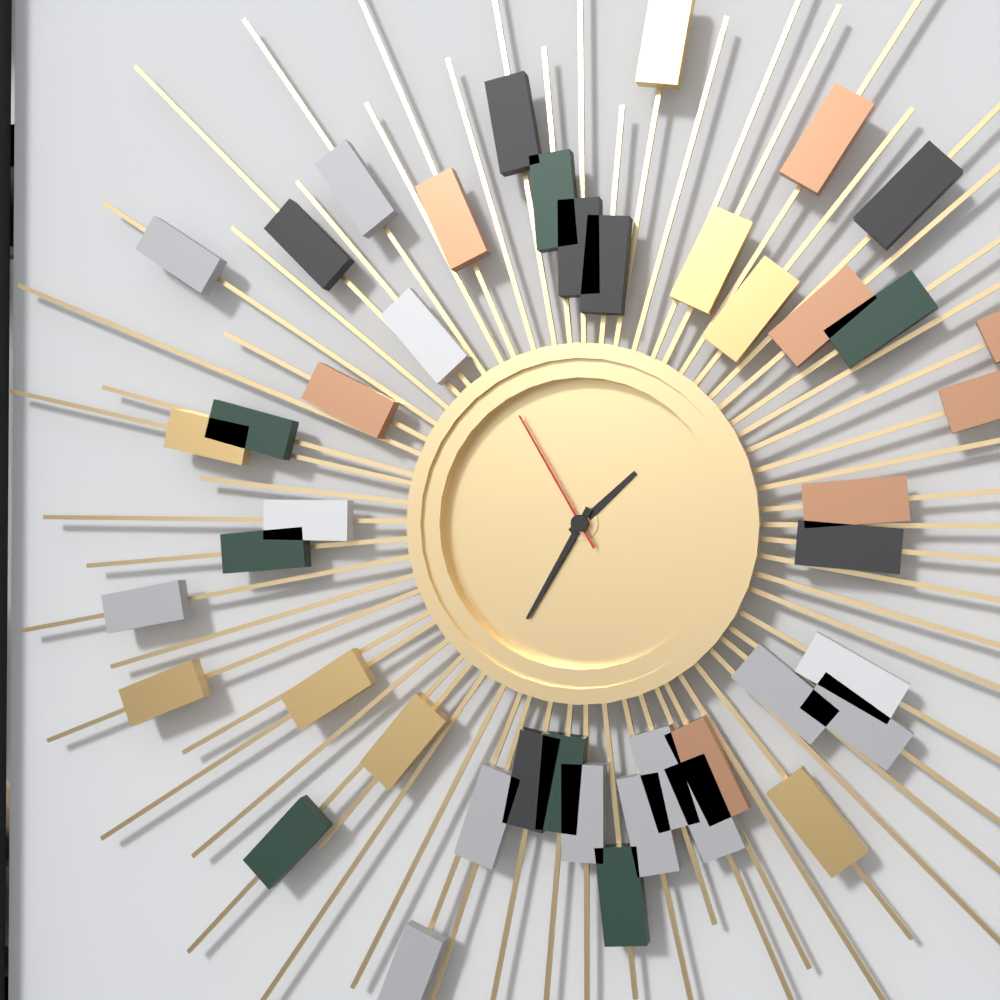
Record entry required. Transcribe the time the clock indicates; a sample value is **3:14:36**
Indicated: **1:35:55**
